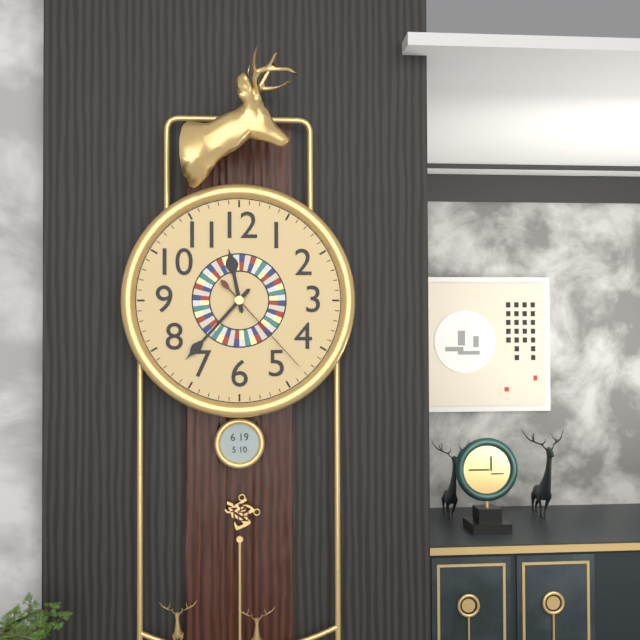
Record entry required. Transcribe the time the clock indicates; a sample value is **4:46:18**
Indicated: **11:37:23**
